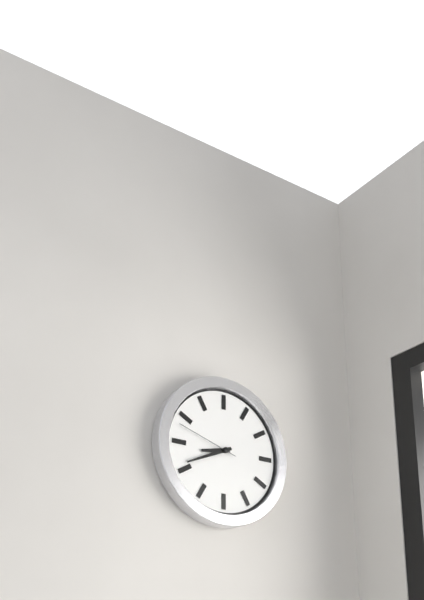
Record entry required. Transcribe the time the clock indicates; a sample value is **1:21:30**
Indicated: **8:41:48**
